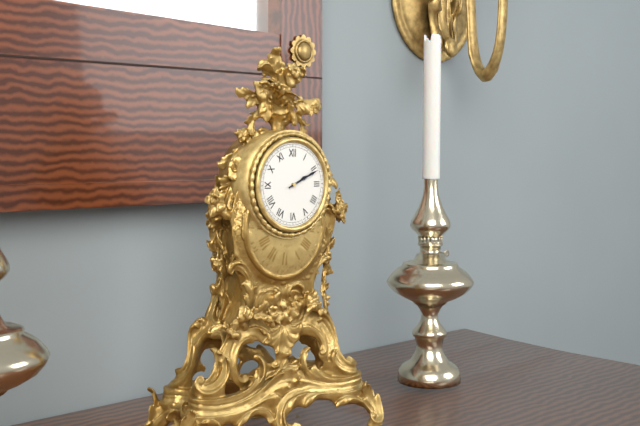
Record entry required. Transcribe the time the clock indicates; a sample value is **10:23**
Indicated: **2:11**
